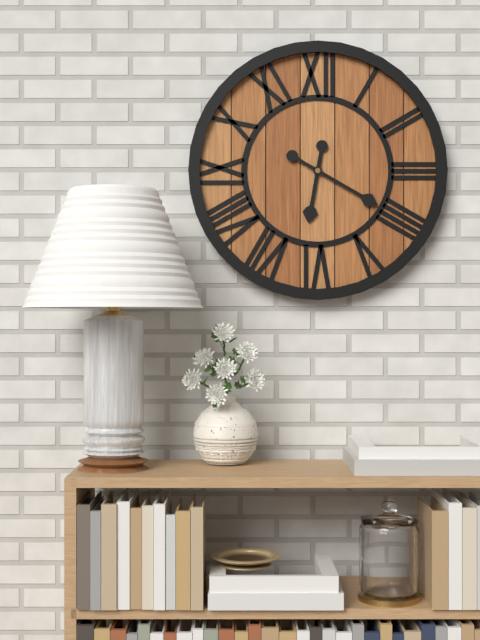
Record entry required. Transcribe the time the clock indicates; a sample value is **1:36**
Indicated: **6:20**
